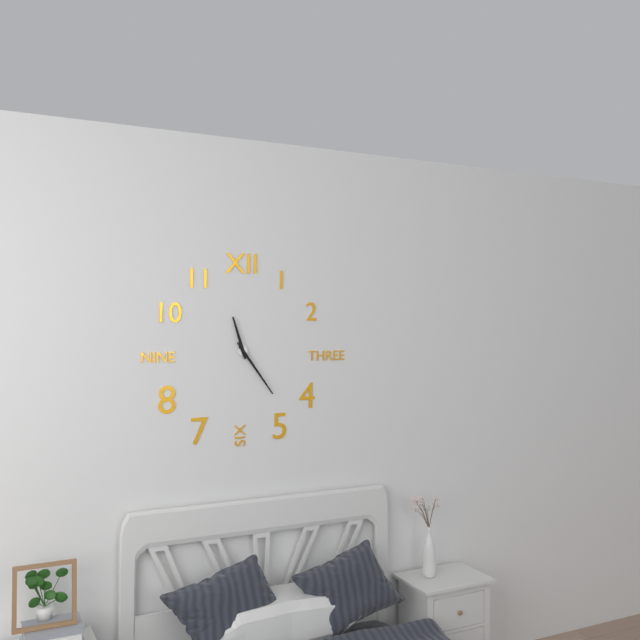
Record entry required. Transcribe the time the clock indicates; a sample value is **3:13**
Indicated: **11:24**
